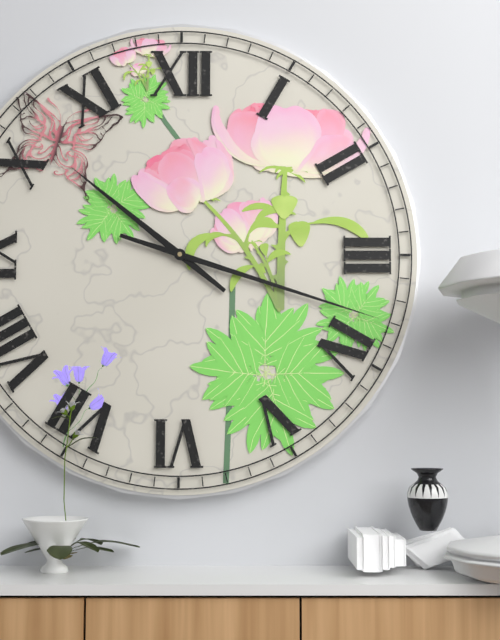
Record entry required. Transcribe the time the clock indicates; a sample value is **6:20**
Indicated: **10:18**
